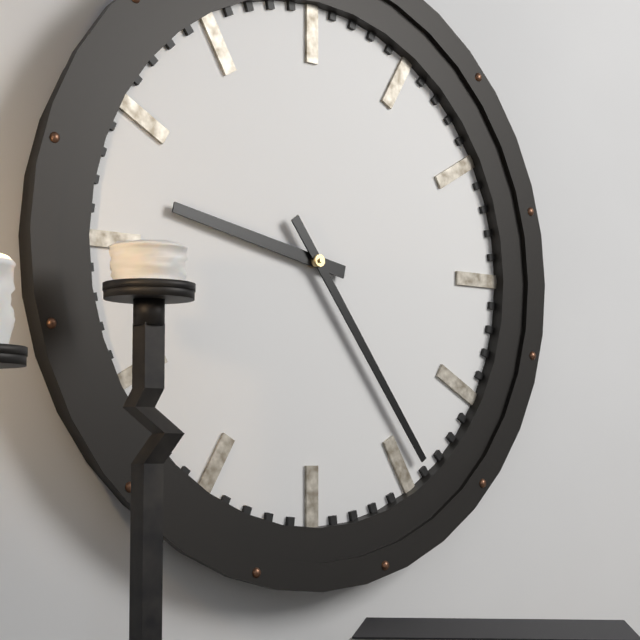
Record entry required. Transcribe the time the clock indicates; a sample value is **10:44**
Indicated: **9:24**
